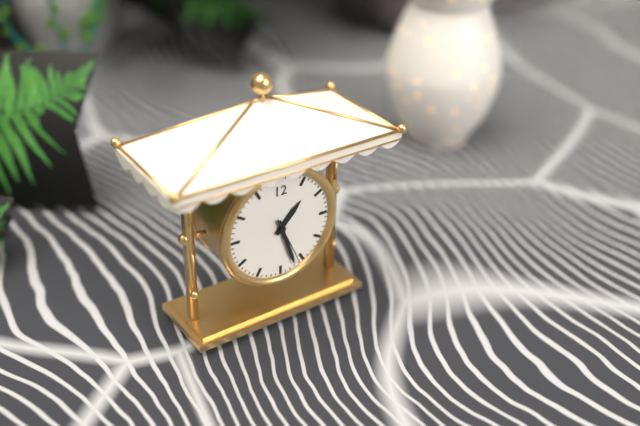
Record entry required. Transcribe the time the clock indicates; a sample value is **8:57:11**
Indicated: **1:27:26**
